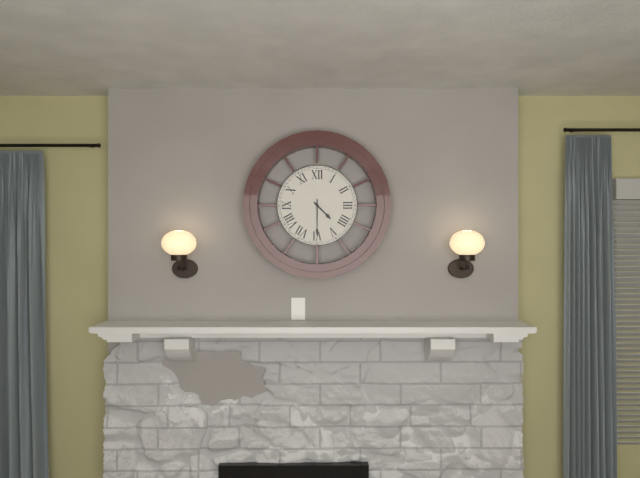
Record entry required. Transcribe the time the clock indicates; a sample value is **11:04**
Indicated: **4:30**
